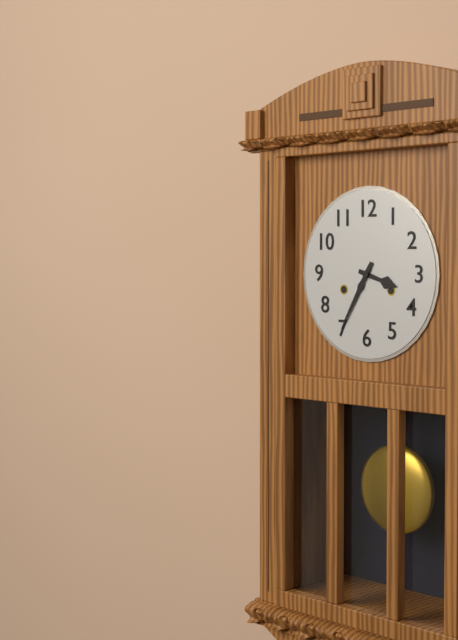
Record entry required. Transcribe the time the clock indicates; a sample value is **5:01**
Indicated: **3:35**
